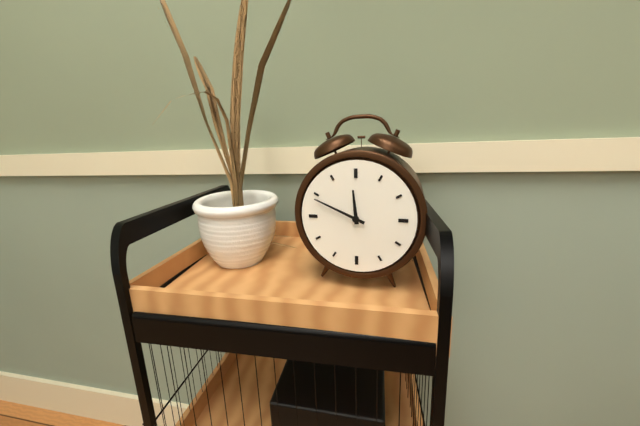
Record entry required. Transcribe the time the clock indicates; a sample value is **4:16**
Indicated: **11:49**
